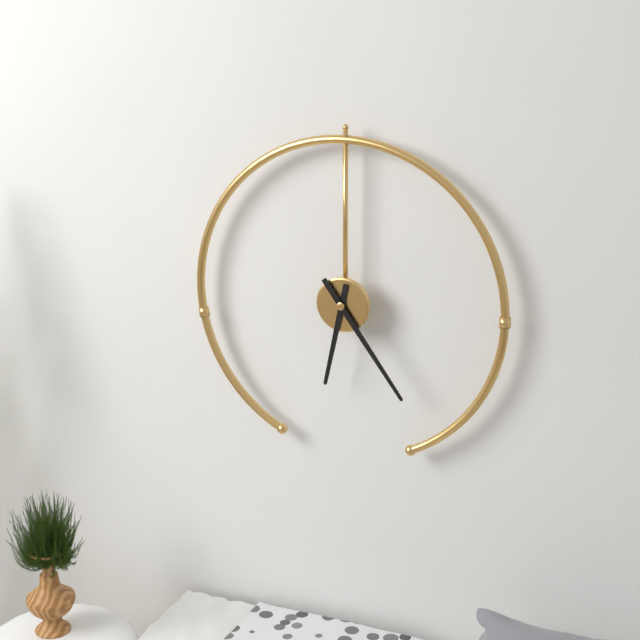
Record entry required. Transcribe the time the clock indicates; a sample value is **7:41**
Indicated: **6:24**
